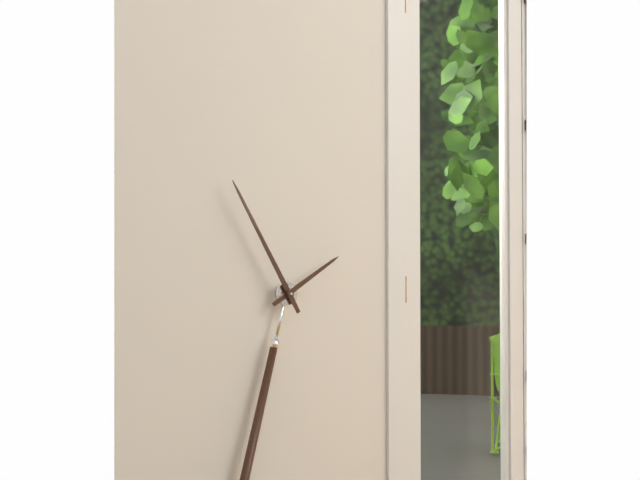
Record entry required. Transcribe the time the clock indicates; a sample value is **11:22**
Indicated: **1:55**
